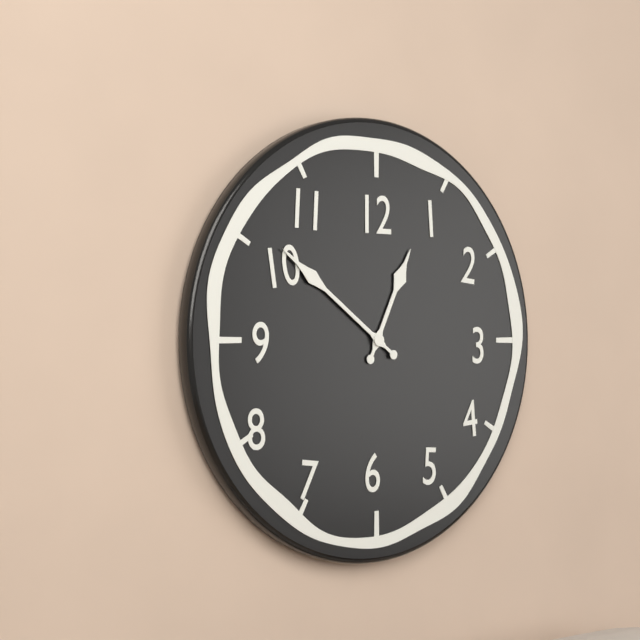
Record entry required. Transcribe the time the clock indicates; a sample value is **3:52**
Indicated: **12:51**
